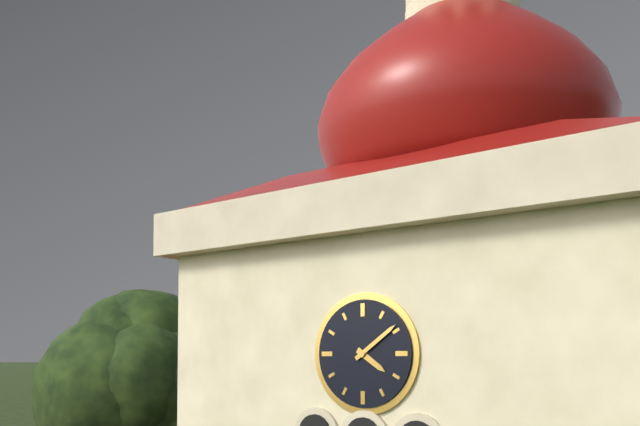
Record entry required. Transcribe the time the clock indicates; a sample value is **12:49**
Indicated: **4:09**
